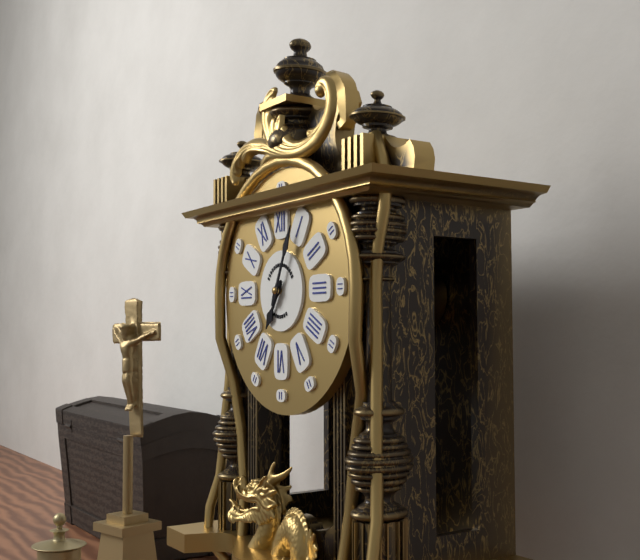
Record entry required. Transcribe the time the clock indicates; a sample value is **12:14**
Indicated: **7:04**
